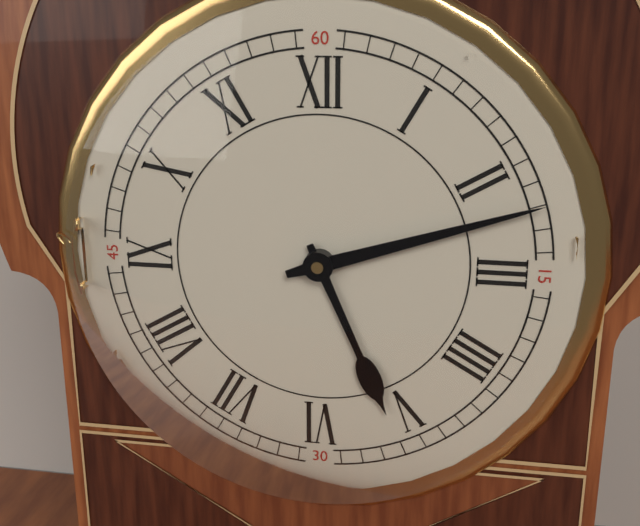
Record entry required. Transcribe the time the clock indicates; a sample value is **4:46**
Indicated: **5:12**
